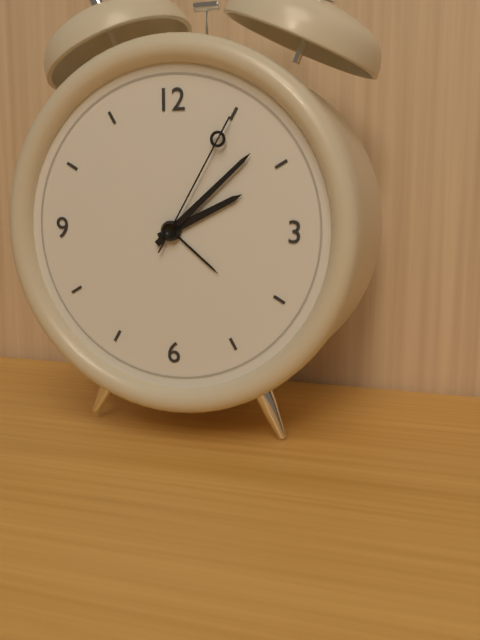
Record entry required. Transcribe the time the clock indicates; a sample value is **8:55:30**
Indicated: **2:08:05**
